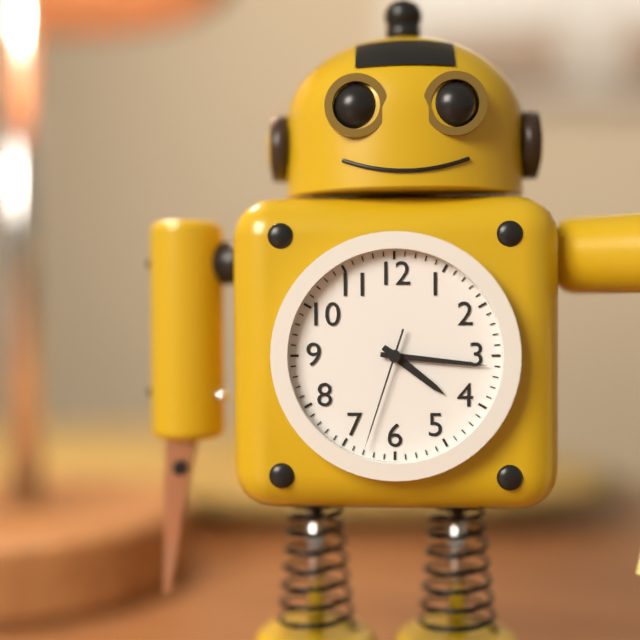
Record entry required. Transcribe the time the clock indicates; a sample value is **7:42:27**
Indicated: **4:16:33**
